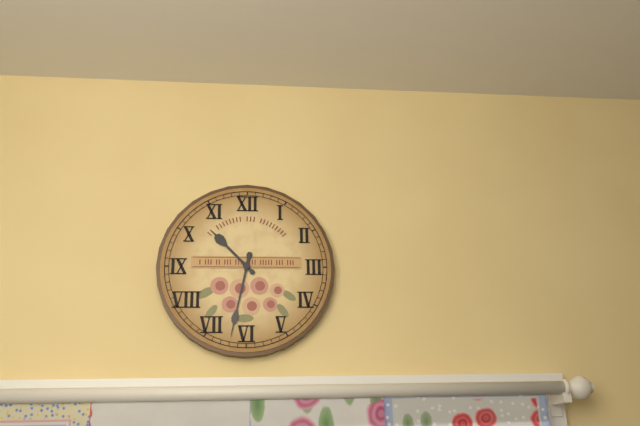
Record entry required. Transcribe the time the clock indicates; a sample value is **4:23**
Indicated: **10:32**
